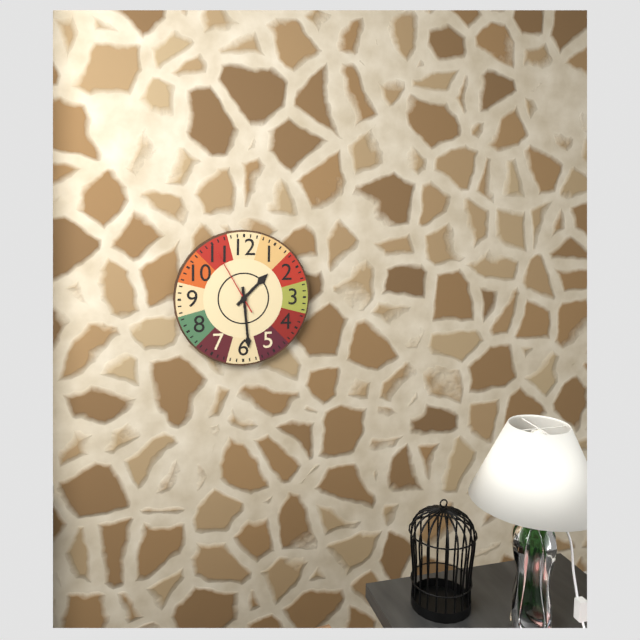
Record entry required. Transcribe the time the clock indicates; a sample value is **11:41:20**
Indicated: **1:29:55**
